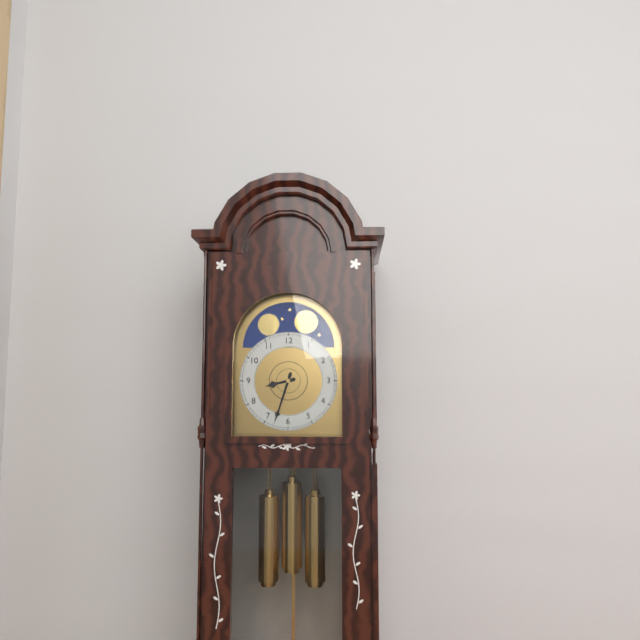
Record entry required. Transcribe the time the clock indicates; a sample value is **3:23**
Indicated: **8:33**
